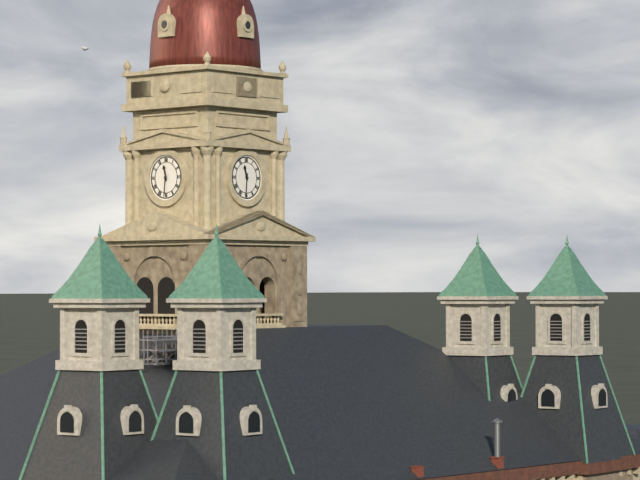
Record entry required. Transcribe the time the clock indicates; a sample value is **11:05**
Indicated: **11:31**
